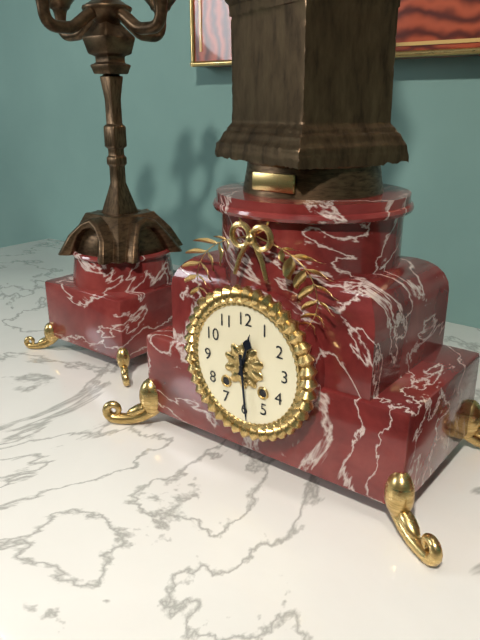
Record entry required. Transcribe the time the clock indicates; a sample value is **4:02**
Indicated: **12:29**
